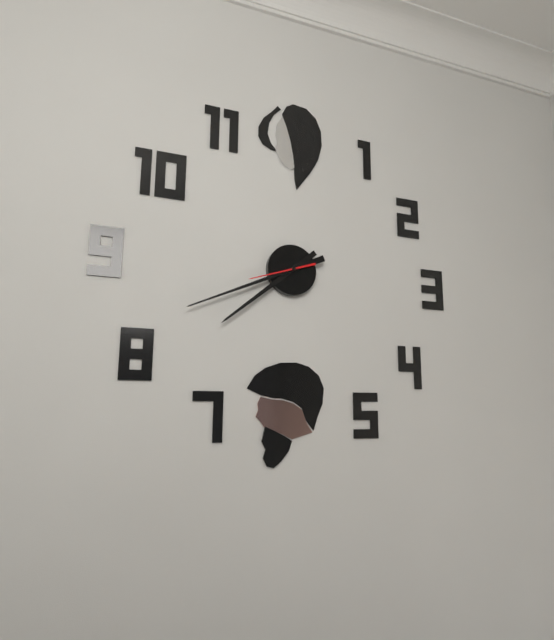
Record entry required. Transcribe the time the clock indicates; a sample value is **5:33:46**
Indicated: **7:41:42**
